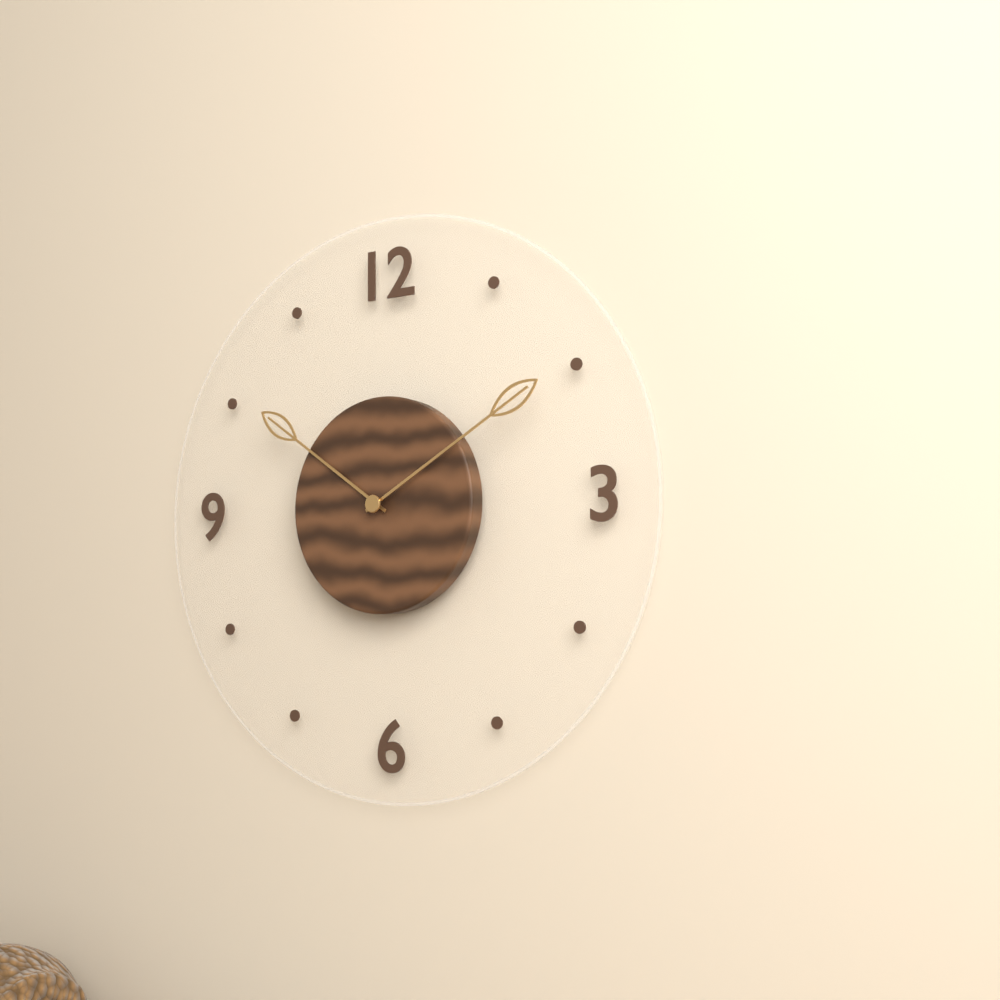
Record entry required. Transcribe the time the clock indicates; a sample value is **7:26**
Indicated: **10:10**
